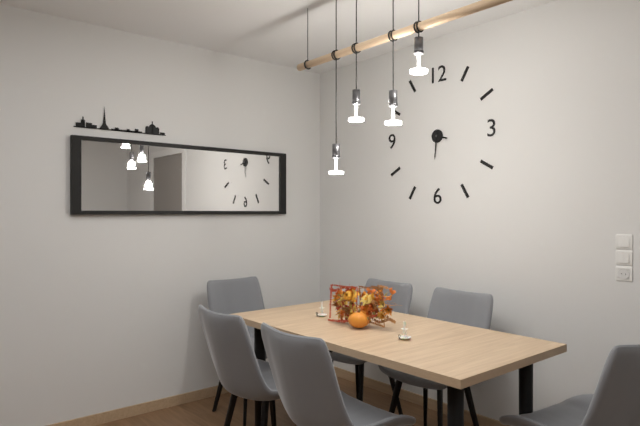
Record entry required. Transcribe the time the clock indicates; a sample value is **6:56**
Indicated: **3:31**
